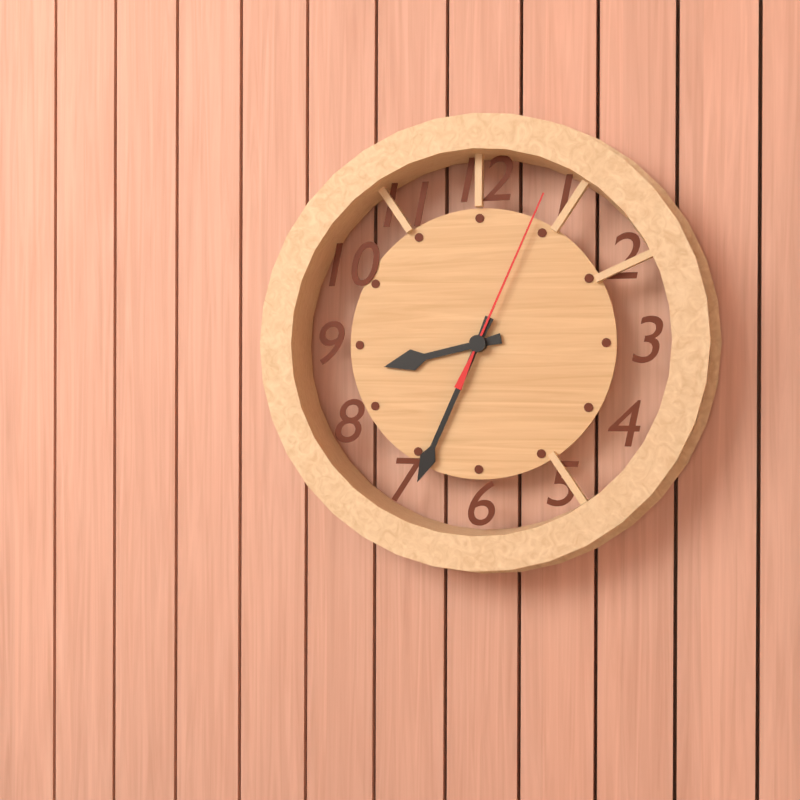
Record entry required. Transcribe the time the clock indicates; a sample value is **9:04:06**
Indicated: **8:34:04**
